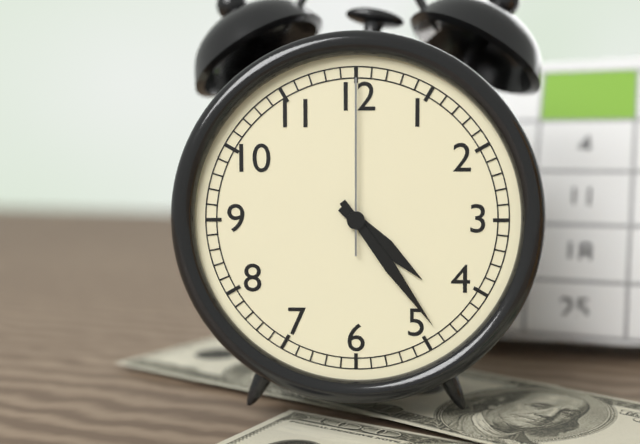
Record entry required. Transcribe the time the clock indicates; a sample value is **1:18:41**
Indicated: **4:24:00**
